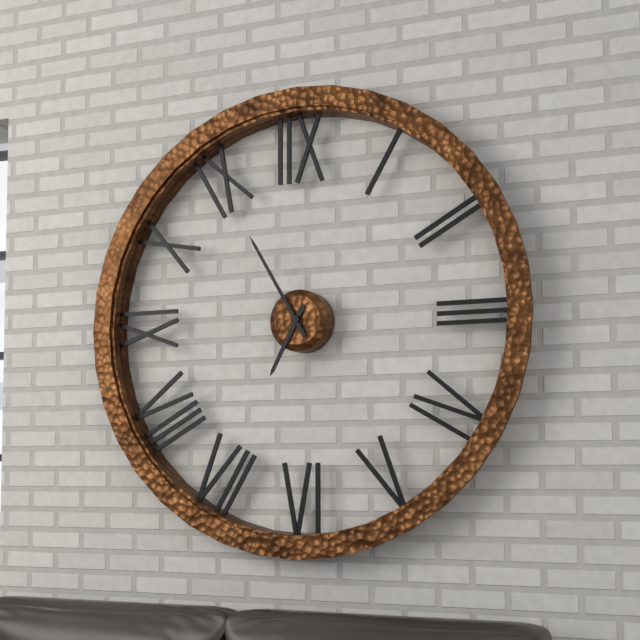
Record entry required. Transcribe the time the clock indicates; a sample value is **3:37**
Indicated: **6:55**
